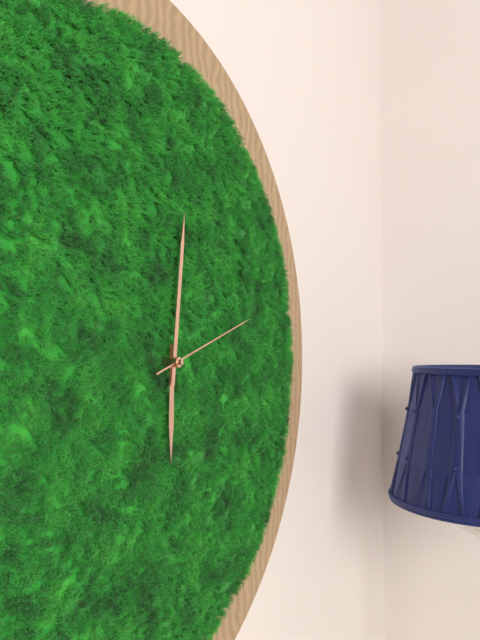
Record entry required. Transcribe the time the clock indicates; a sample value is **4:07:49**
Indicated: **6:01:12**
